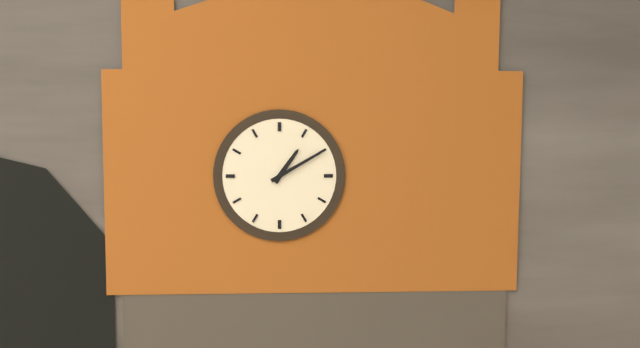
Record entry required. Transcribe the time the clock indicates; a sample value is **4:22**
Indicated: **1:10**
